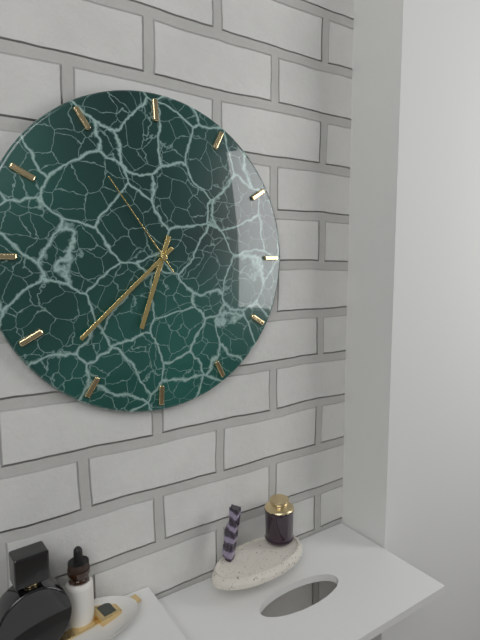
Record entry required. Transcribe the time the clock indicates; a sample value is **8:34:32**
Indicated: **6:38:54**
